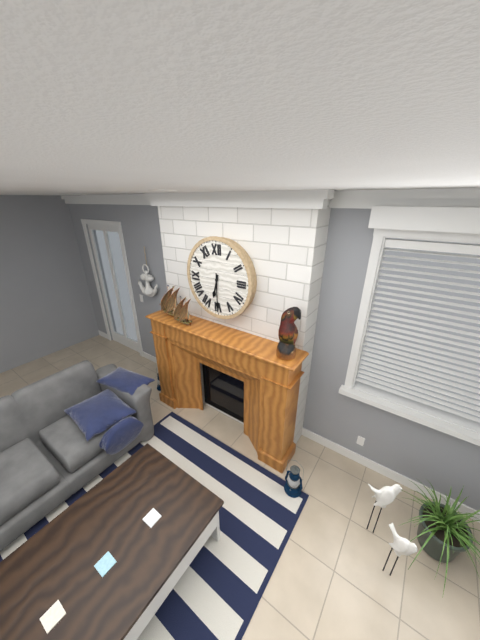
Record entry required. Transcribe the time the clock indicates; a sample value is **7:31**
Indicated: **6:30**
